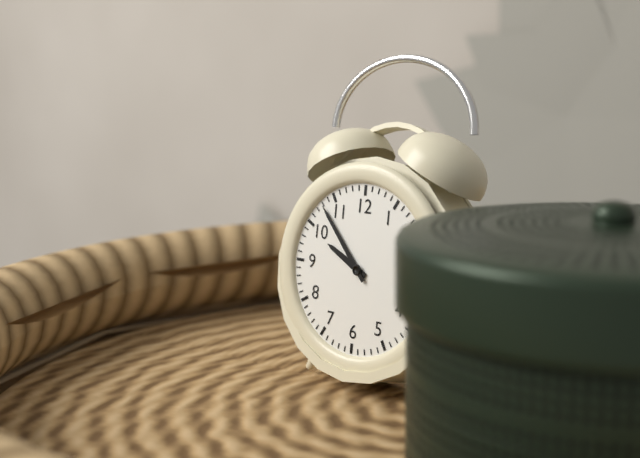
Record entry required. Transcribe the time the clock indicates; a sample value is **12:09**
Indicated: **9:53**
